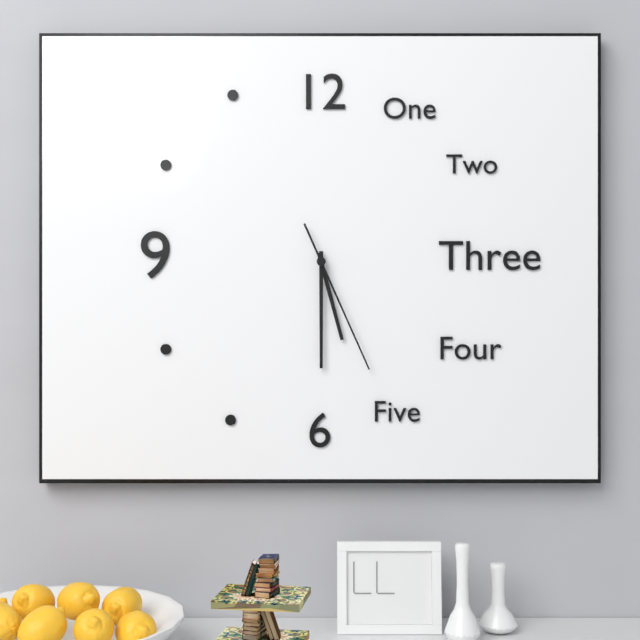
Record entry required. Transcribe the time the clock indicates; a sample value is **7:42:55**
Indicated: **5:30:26**
